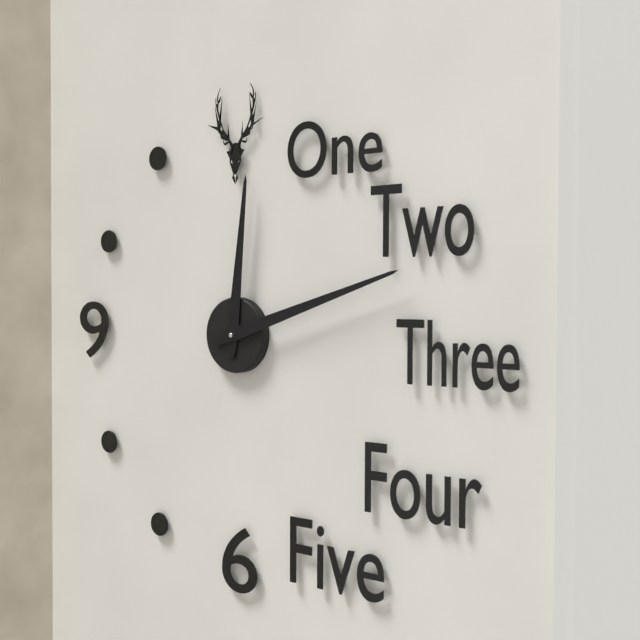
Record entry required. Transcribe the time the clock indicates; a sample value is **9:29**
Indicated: **12:12**
